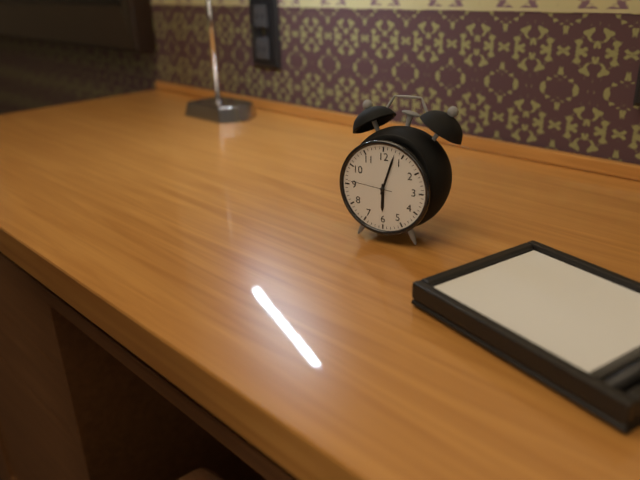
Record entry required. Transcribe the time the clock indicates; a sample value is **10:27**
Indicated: **6:03**
